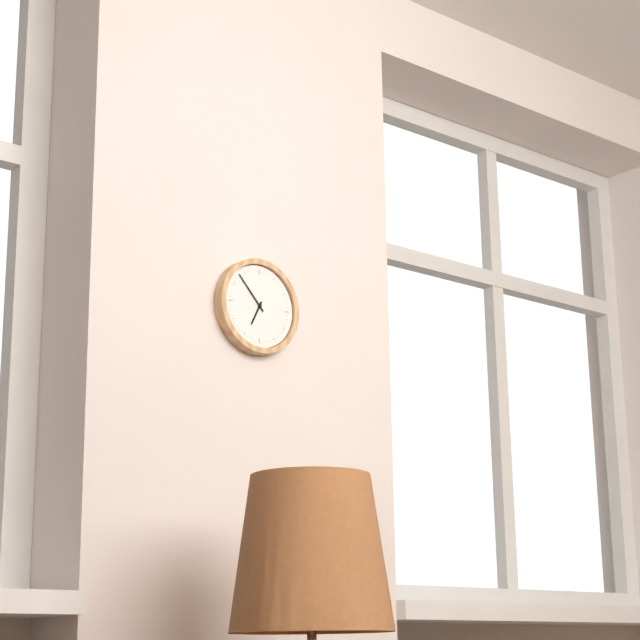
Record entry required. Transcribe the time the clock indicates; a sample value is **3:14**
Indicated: **6:53**
